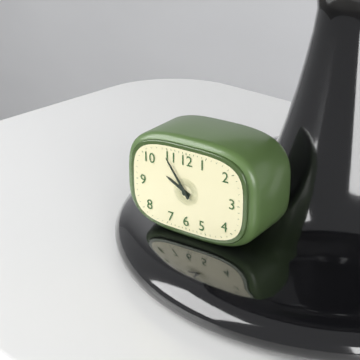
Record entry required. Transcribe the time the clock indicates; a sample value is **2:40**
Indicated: **9:54**
